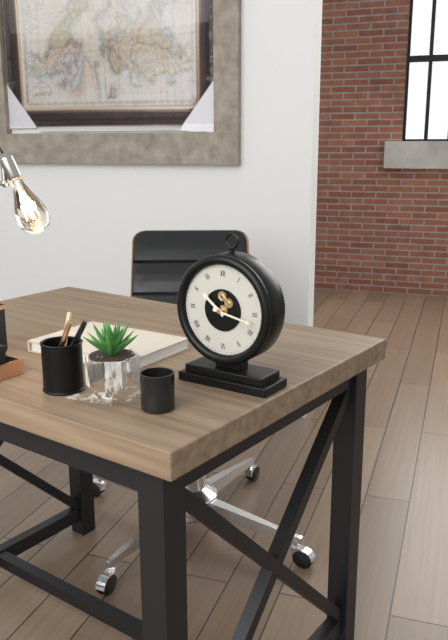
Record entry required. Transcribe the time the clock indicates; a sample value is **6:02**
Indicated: **10:17**
